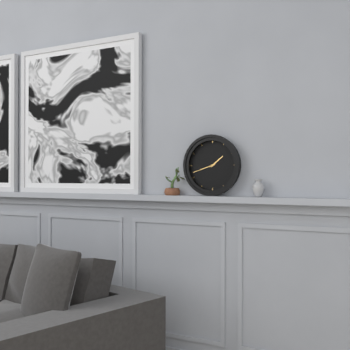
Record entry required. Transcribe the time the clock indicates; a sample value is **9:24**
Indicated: **1:42**
